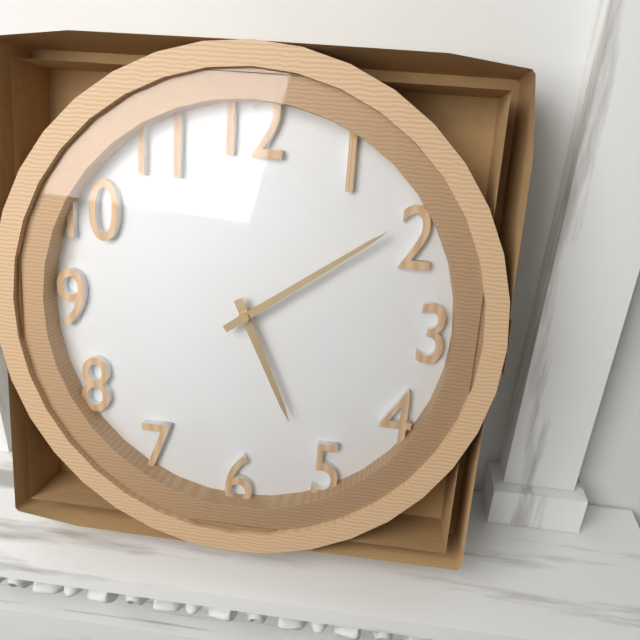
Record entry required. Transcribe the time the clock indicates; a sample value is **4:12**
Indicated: **5:09**
